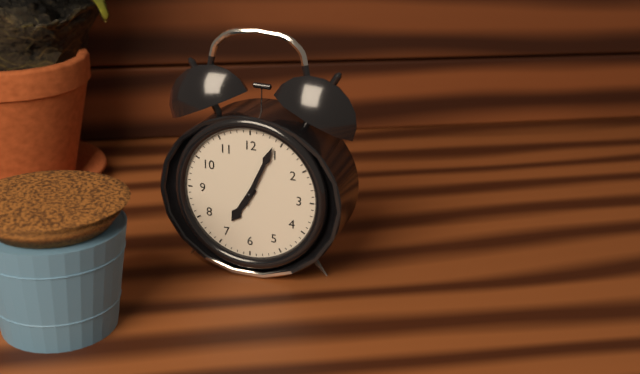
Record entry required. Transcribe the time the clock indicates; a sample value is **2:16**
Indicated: **7:04**
